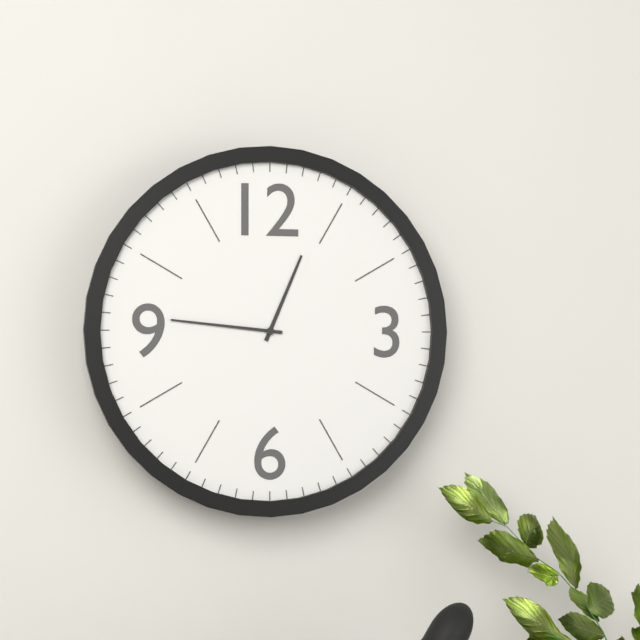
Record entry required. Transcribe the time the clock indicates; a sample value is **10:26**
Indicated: **12:46**
